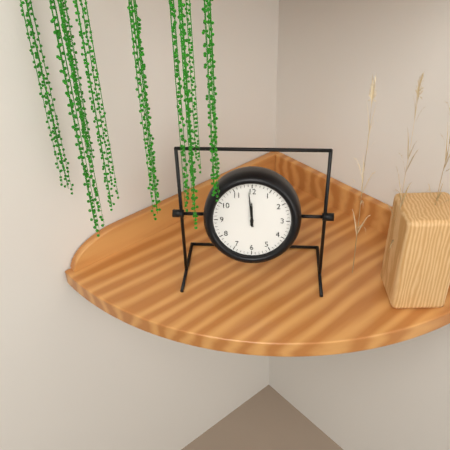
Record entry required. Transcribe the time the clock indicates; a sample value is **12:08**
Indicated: **11:59**
